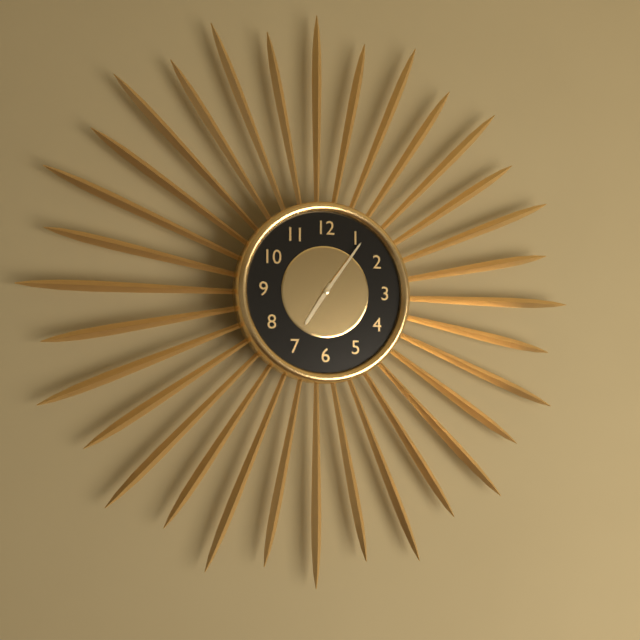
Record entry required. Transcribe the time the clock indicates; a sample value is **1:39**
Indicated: **7:06**
